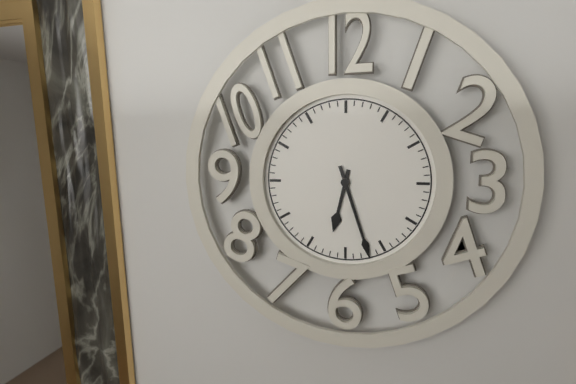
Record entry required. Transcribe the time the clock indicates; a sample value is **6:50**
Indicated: **6:27**
